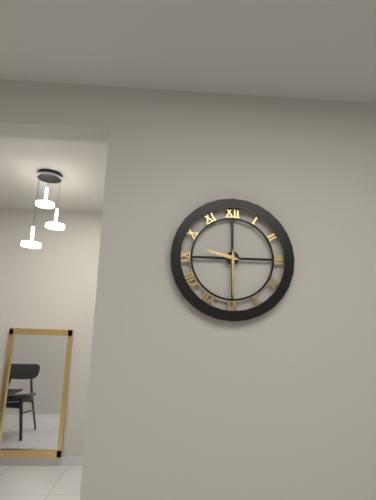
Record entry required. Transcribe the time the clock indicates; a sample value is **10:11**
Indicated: **9:30**
